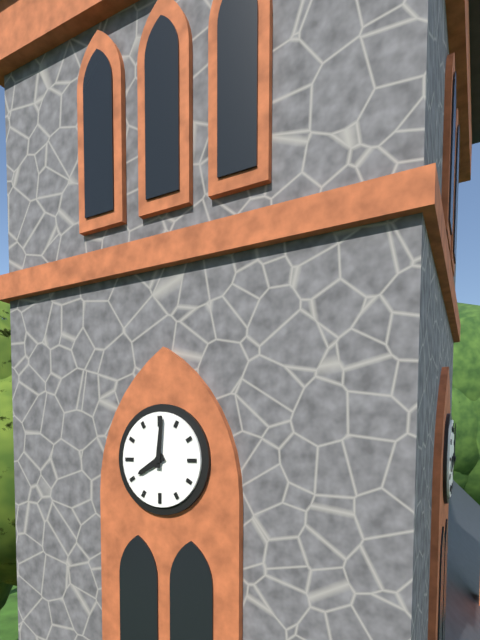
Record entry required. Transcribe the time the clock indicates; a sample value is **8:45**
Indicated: **8:01**
